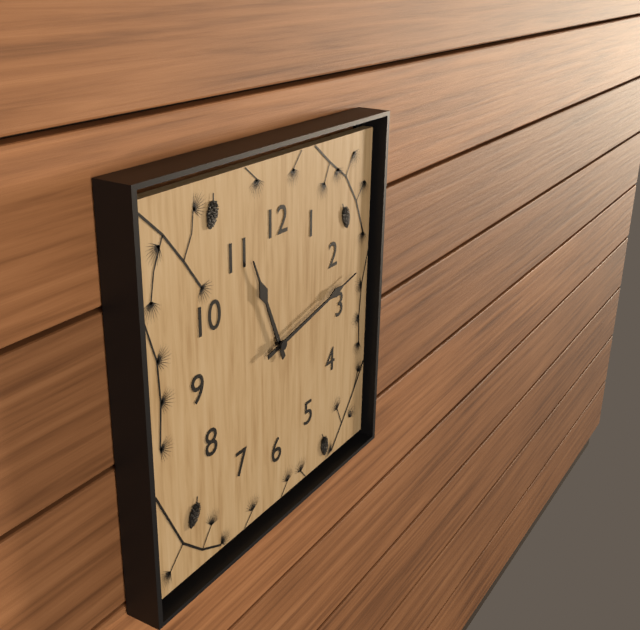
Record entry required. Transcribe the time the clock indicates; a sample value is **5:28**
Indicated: **11:13**
